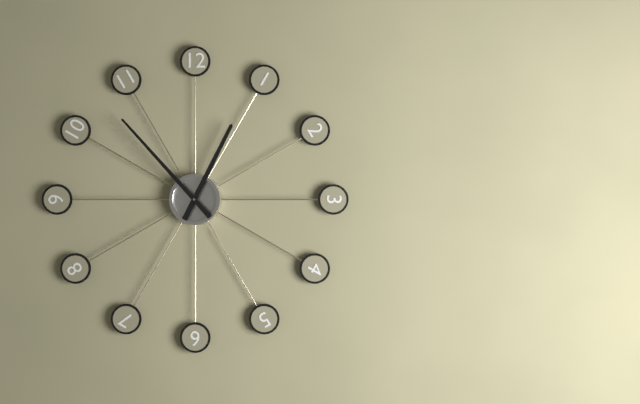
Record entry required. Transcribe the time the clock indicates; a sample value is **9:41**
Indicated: **12:53**
